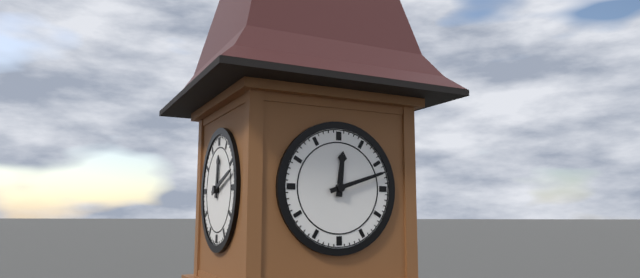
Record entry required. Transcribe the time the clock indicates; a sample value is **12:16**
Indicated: **12:12**
